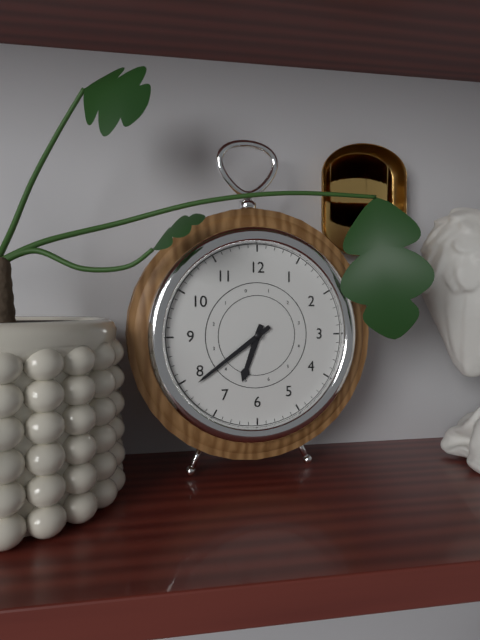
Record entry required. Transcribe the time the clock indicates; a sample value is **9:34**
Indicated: **6:39**
